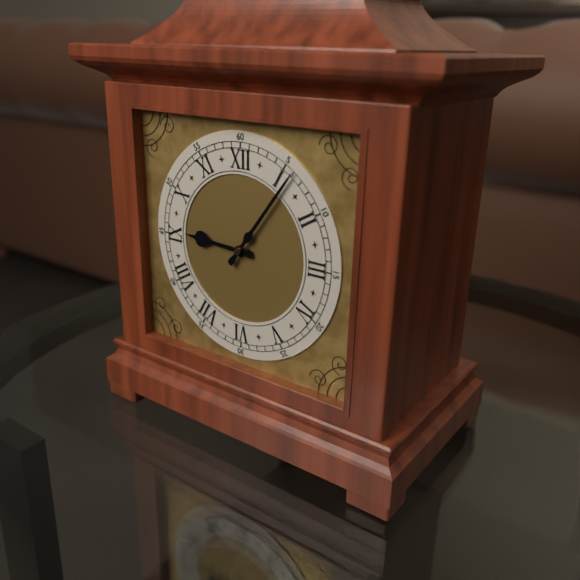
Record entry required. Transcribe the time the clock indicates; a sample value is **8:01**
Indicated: **9:06**
